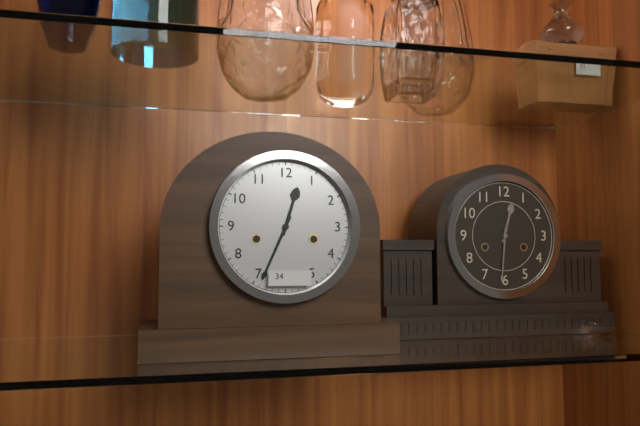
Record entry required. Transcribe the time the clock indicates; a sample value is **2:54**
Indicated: **12:34**
